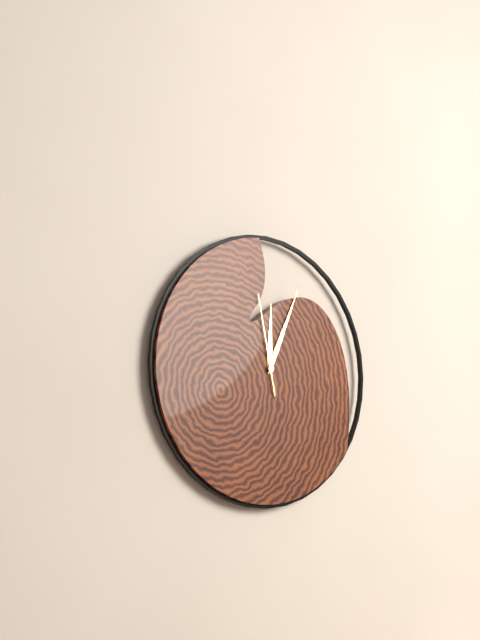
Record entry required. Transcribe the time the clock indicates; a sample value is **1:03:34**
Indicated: **12:04:58**
